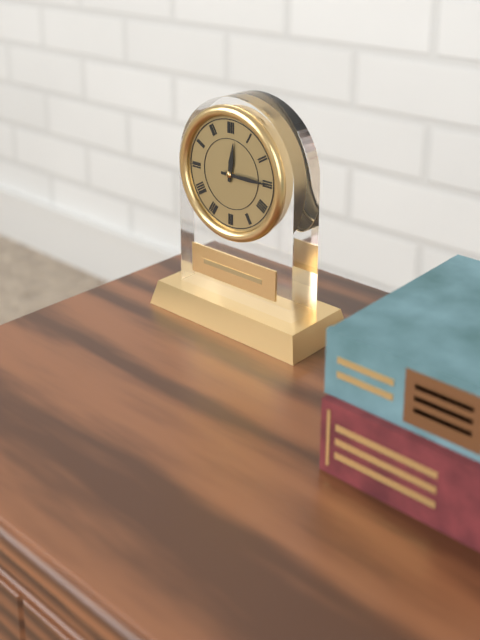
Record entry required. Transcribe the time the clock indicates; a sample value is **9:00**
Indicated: **12:15**
